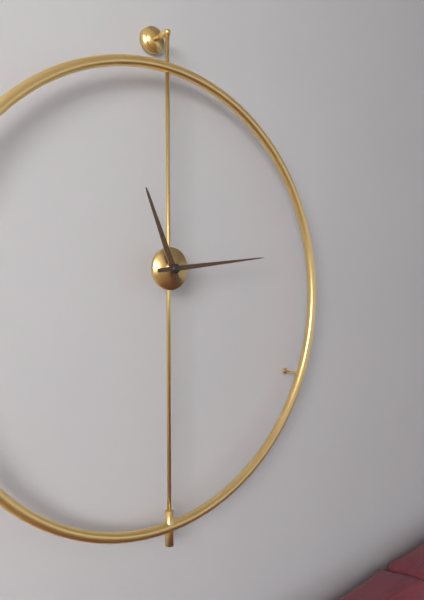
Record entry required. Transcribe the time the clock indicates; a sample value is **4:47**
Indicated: **11:14**
